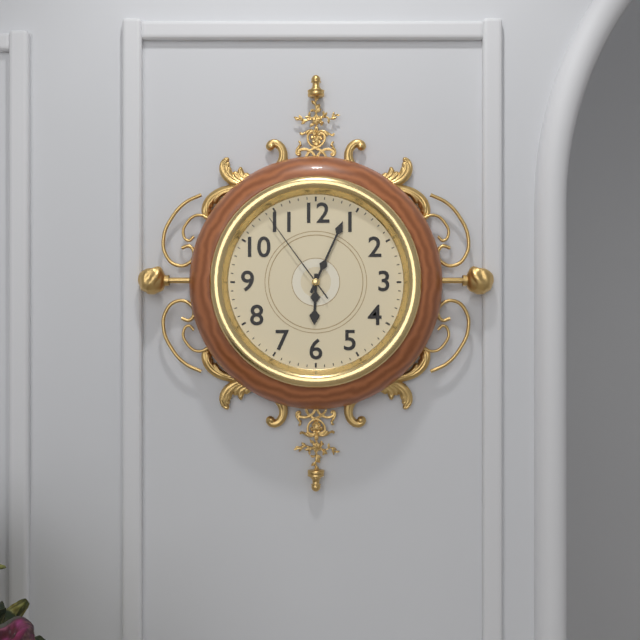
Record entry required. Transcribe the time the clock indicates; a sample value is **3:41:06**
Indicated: **6:04:54**
